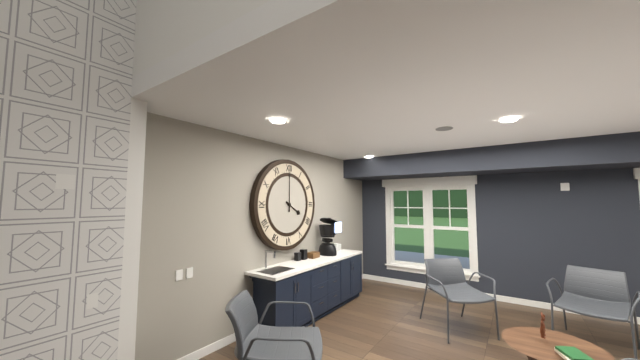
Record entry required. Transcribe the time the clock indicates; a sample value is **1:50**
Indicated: **4:00**
